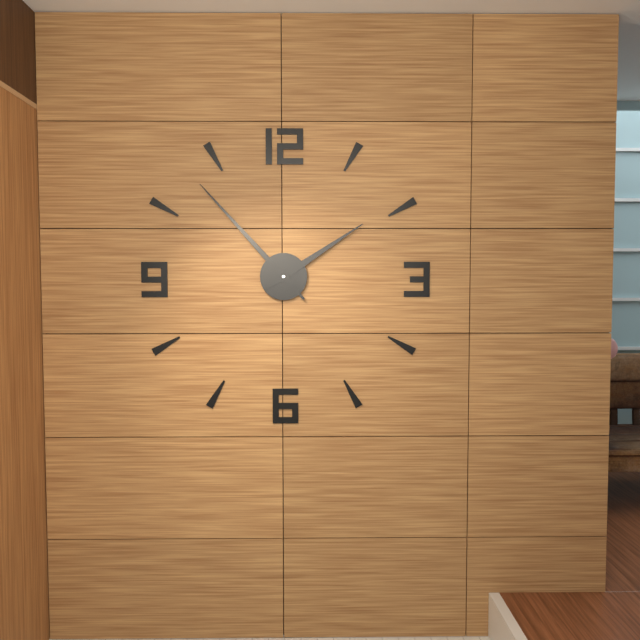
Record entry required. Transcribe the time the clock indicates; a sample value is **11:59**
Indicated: **1:53**
